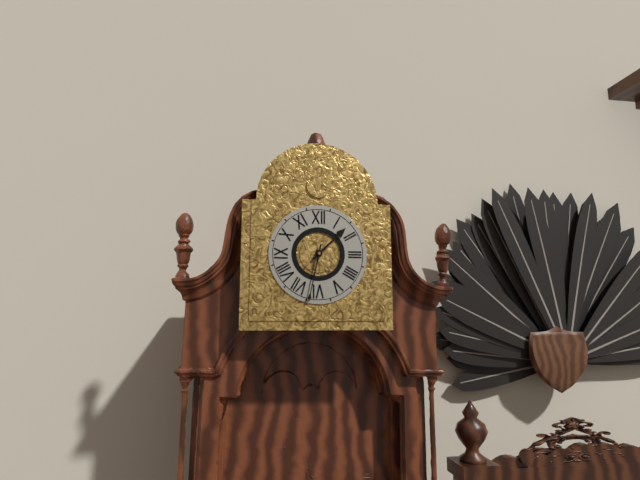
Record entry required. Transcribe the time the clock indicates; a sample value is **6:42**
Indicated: **1:32**
